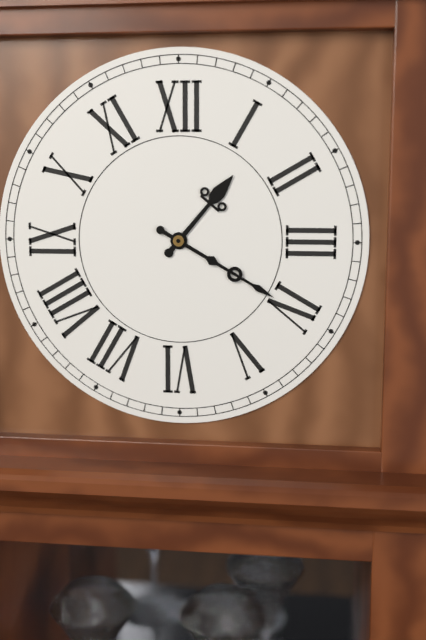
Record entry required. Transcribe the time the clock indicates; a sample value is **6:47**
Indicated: **1:20**
